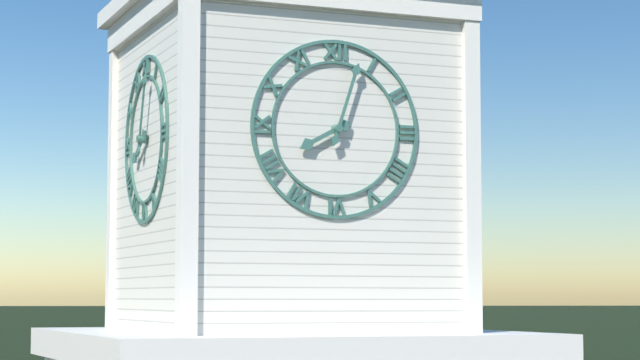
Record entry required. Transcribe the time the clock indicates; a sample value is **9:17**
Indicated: **8:03**
